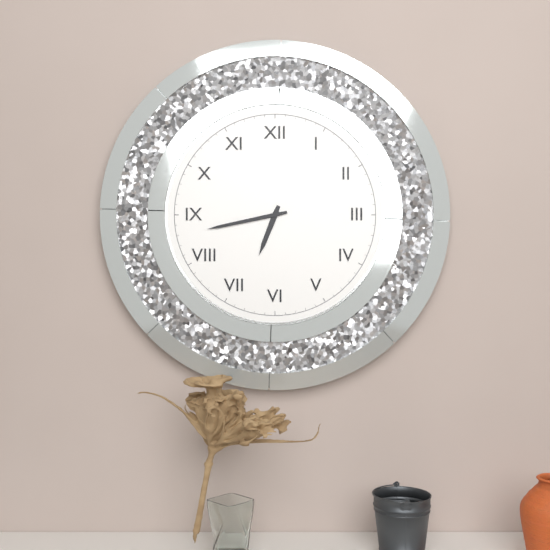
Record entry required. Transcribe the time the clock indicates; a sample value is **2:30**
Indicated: **6:43**
